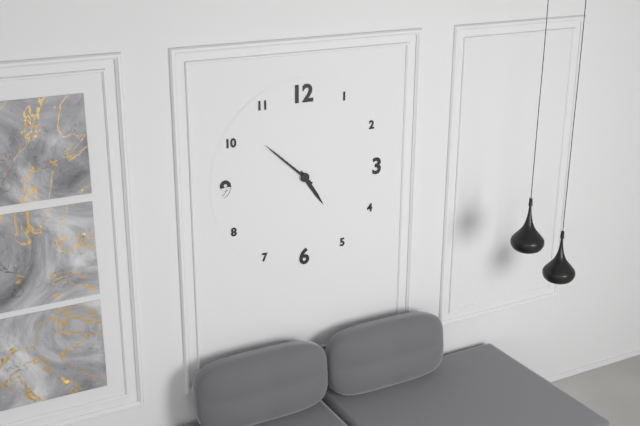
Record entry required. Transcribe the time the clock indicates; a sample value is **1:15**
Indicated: **4:52**
